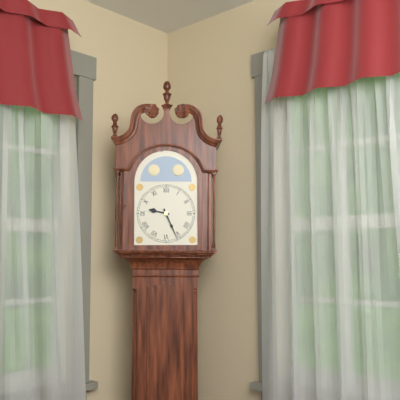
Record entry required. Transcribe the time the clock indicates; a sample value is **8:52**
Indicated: **9:26**
